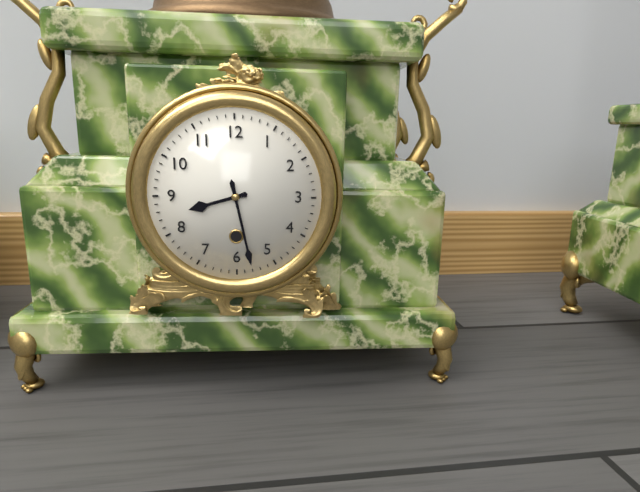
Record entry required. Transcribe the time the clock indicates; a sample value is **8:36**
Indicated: **8:28**
